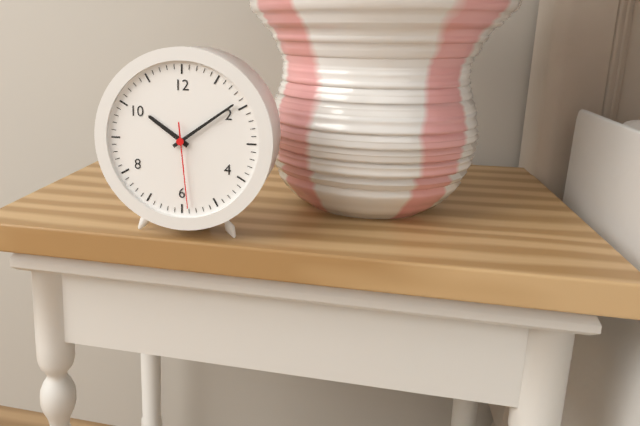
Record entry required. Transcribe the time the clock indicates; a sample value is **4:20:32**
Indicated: **10:09:29**
